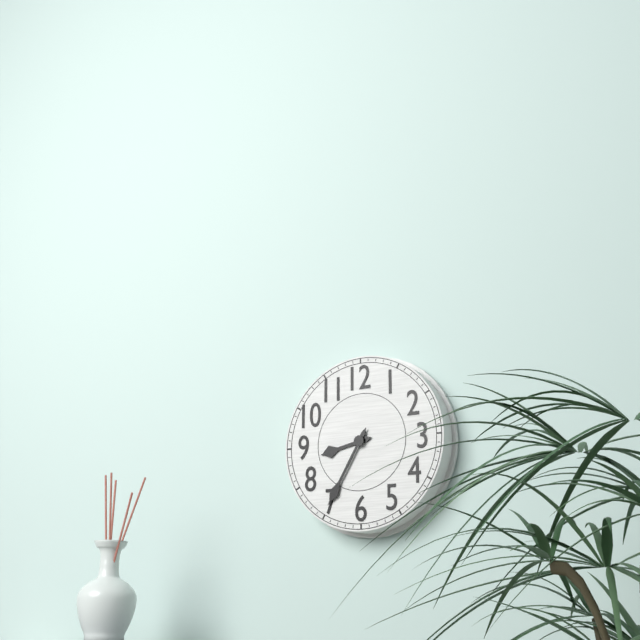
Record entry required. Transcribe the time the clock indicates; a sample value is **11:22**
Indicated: **8:35**
